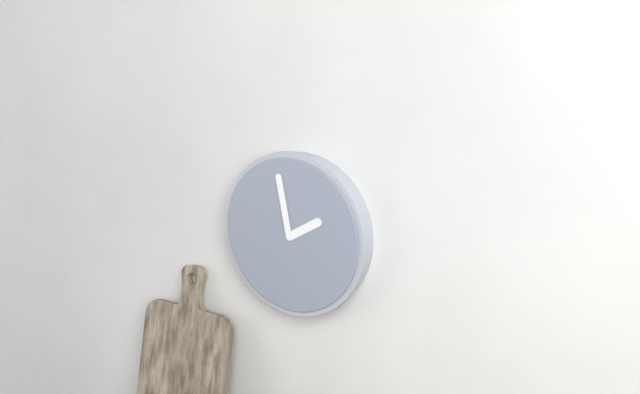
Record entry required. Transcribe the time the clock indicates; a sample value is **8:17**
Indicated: **1:58**
